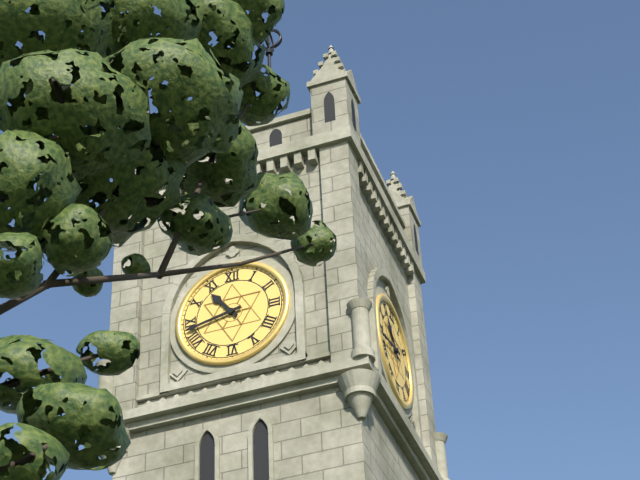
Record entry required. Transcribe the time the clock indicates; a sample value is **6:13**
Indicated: **10:43**
